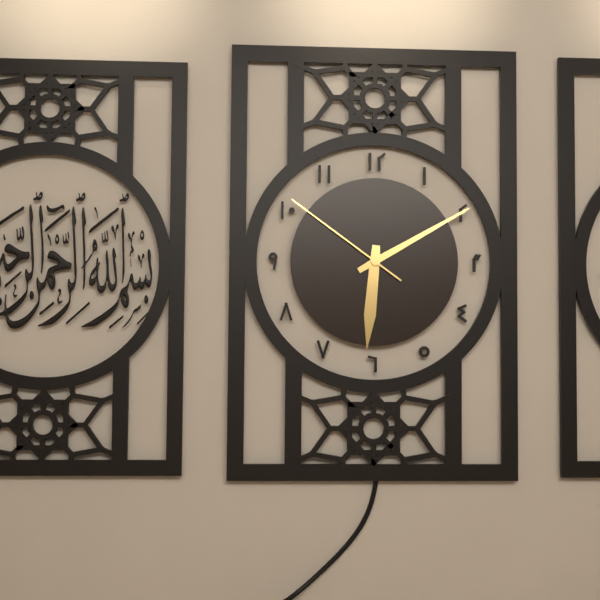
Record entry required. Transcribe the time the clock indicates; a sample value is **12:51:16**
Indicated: **6:10:51**
